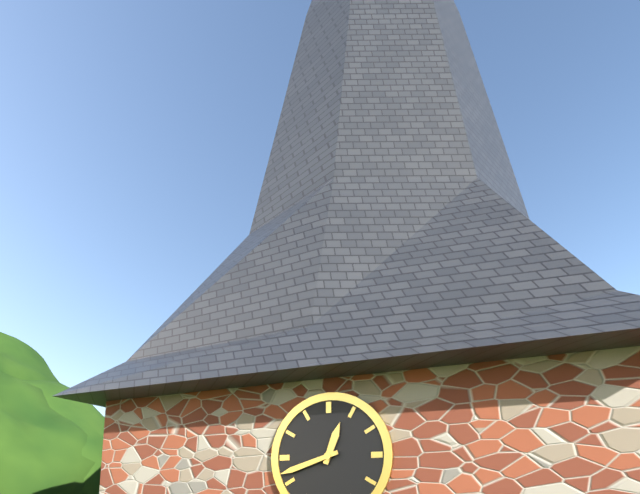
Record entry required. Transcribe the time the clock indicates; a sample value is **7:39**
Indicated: **12:42**
